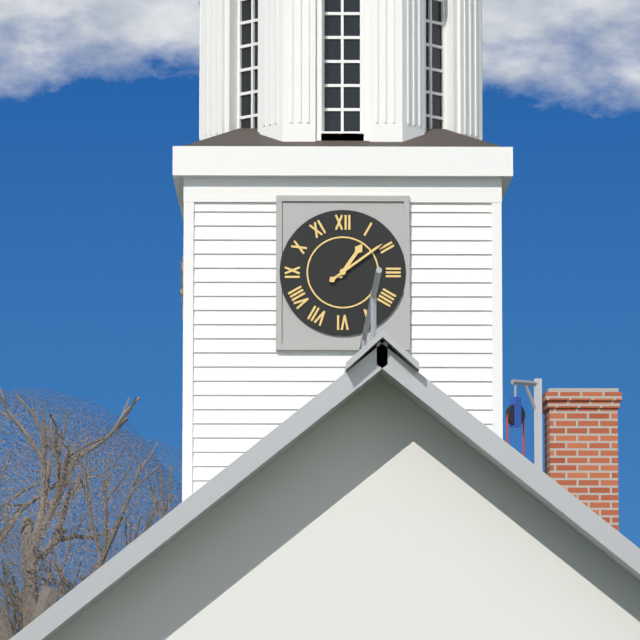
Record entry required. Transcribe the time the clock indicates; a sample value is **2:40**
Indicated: **1:09**
